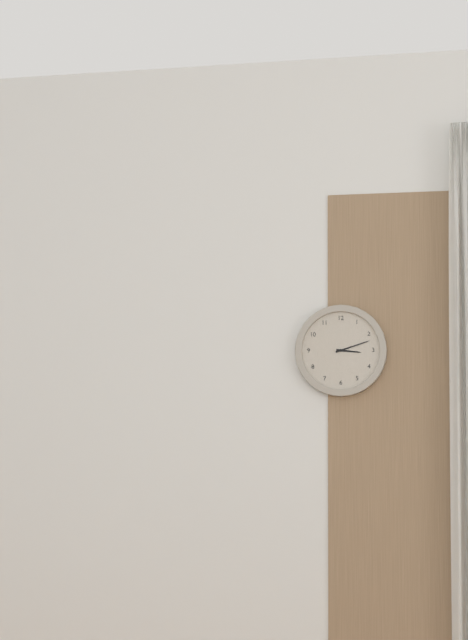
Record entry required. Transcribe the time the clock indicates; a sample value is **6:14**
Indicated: **3:12**
